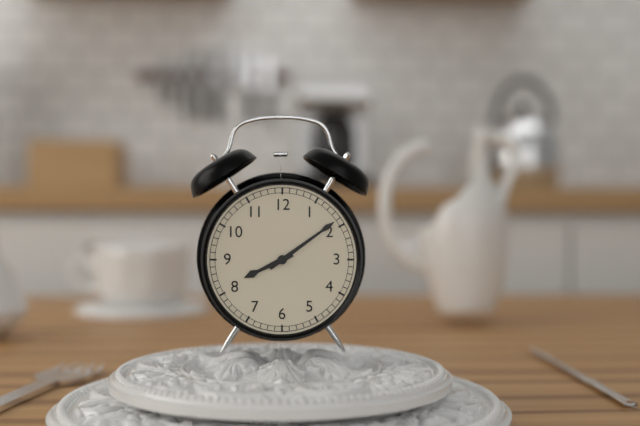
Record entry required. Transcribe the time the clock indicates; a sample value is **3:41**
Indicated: **8:09**
